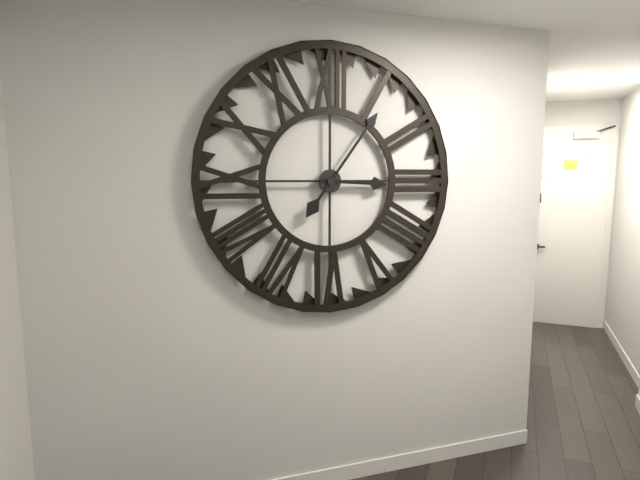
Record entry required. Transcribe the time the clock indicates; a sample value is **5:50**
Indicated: **3:06**
